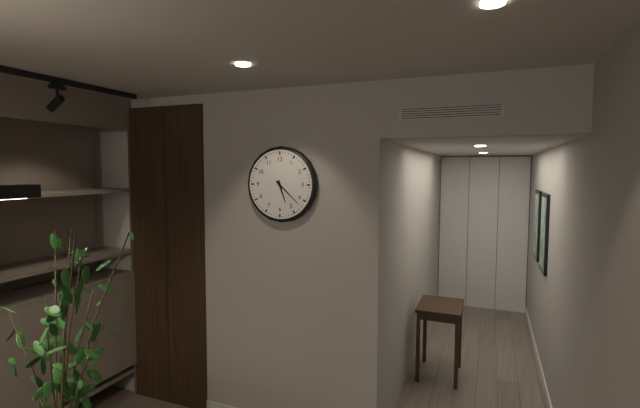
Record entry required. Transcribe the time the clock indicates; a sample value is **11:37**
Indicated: **5:22**
